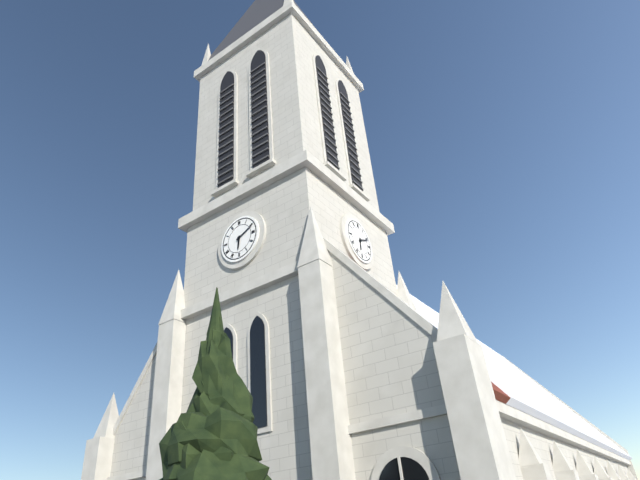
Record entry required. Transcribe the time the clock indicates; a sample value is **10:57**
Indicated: **6:11**
